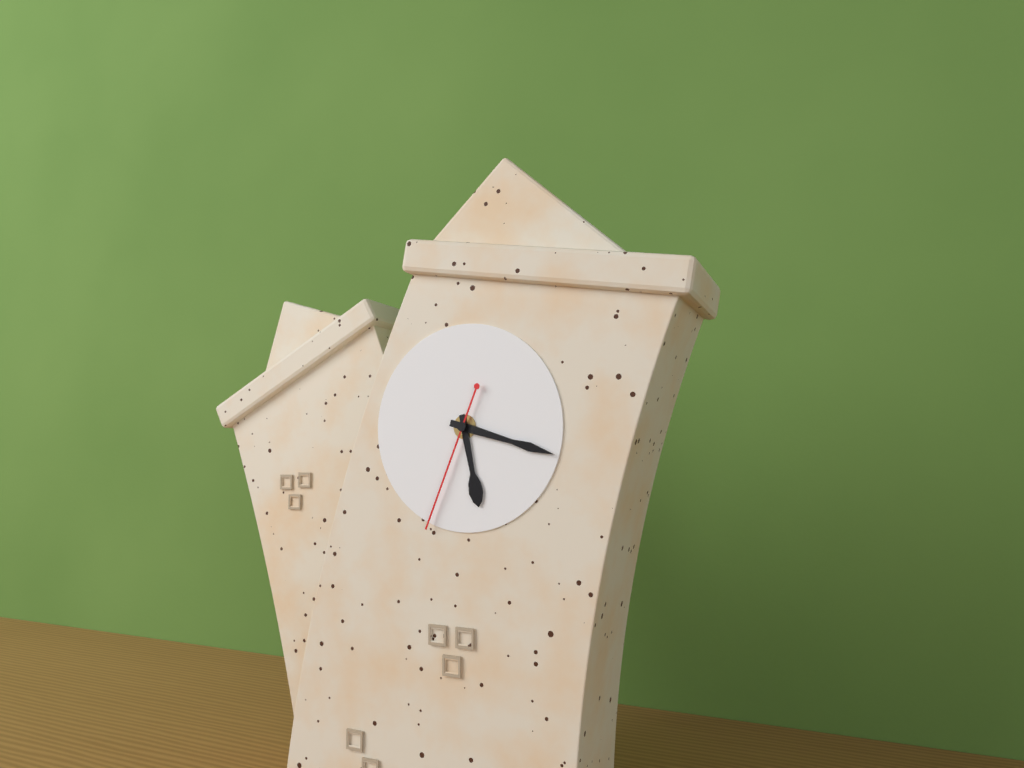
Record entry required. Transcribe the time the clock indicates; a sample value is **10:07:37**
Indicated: **5:16:32**
